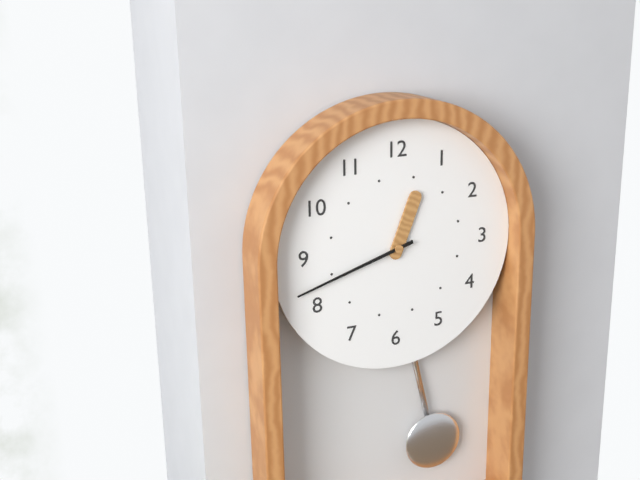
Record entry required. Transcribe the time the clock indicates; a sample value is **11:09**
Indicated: **12:42**
